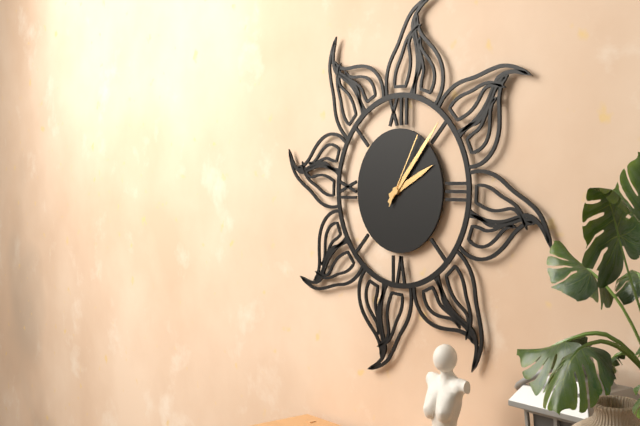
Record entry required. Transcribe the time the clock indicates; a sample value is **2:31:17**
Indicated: **2:07:05**
